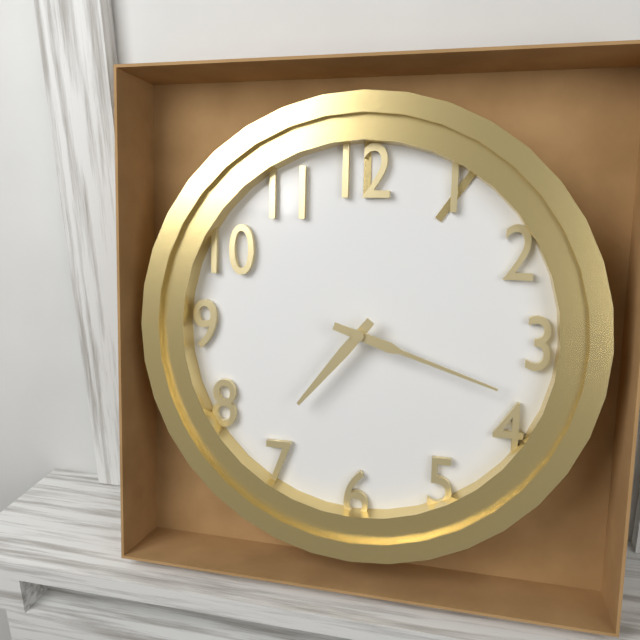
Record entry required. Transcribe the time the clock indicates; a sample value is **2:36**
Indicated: **7:18**
